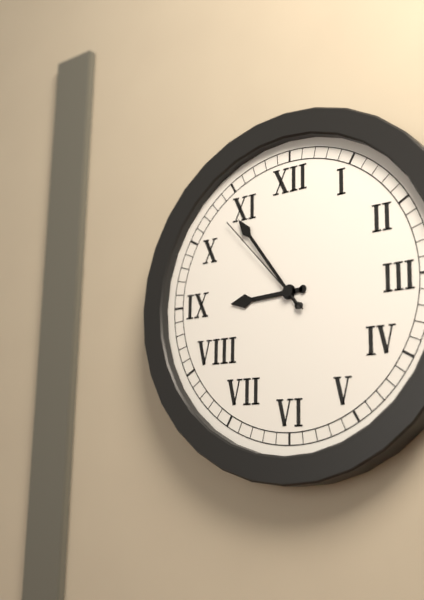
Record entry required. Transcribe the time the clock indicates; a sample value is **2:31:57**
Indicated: **8:54:53**
